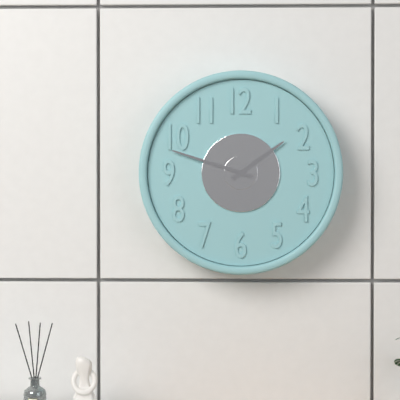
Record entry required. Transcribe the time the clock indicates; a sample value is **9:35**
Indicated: **1:48**
